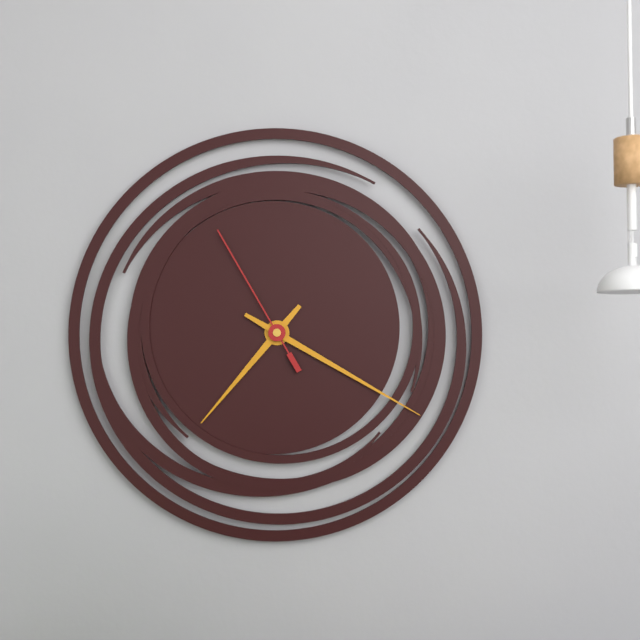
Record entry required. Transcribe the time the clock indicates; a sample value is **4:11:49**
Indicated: **7:20:55**
